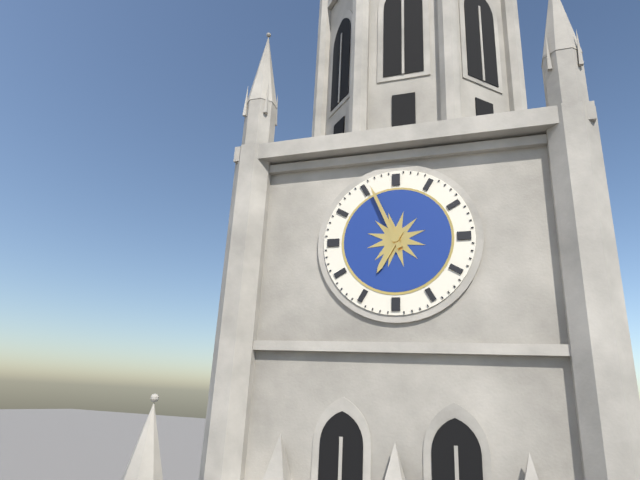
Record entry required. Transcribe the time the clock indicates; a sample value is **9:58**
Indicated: **6:56**
